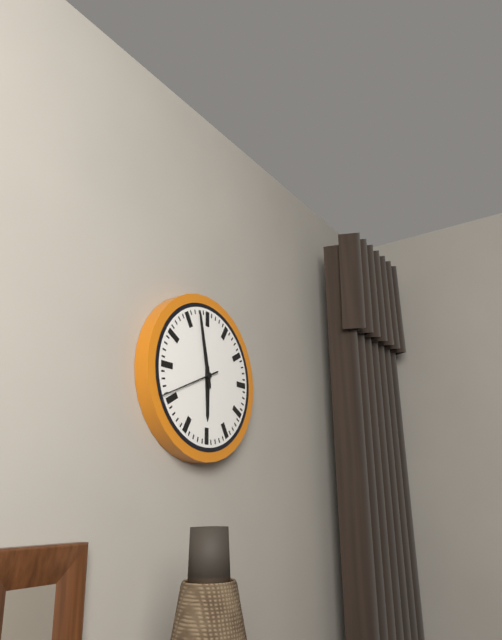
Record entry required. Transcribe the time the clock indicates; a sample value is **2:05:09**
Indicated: **5:58:41**
